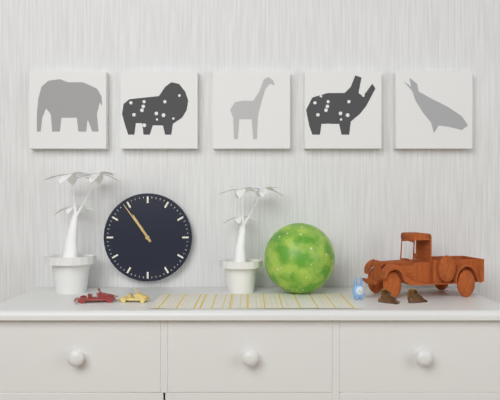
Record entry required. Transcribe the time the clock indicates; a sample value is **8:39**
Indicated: **10:54**
